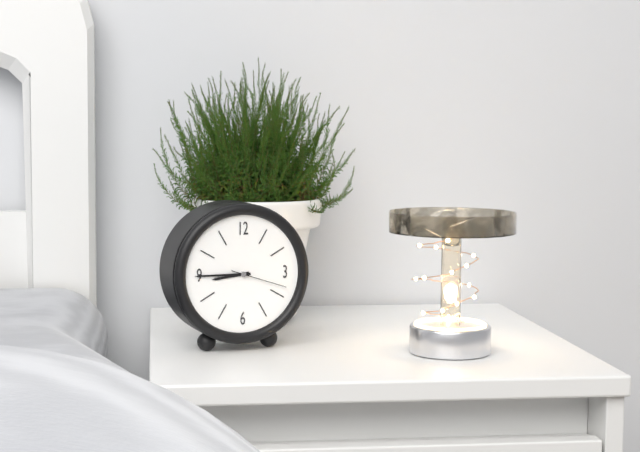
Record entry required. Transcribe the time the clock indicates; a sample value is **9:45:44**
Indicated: **8:45:18**
